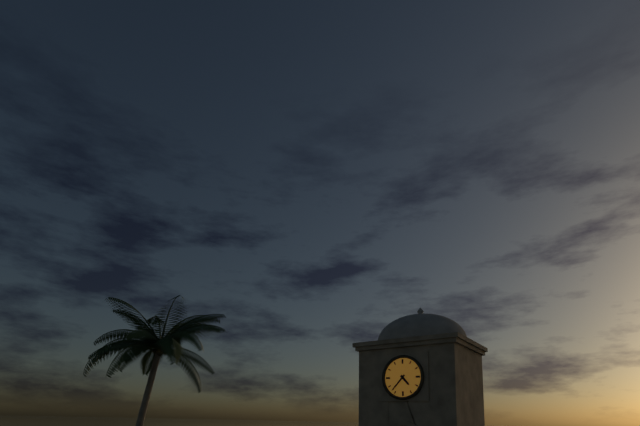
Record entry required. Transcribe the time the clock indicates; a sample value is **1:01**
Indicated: **4:37**
